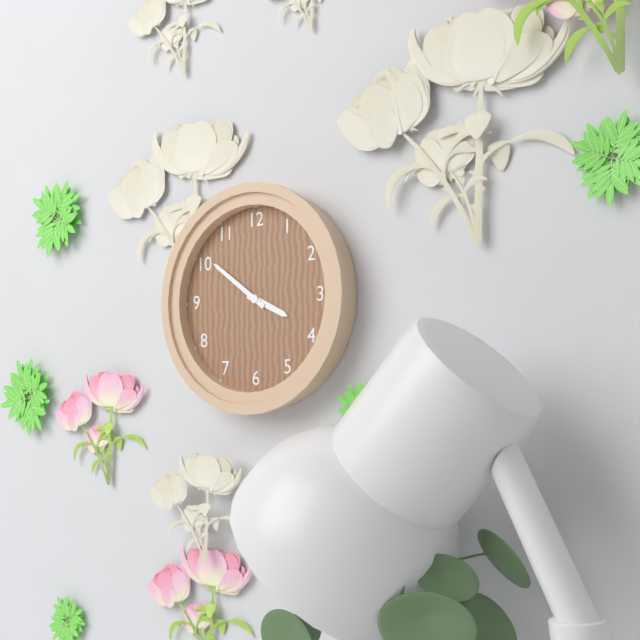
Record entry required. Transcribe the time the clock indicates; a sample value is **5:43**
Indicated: **3:51**
